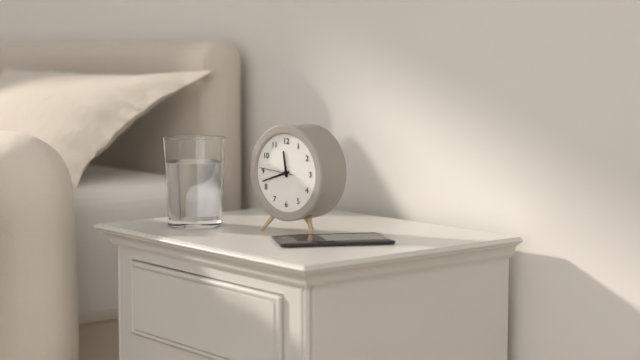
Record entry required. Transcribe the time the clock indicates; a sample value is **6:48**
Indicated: **11:42**
